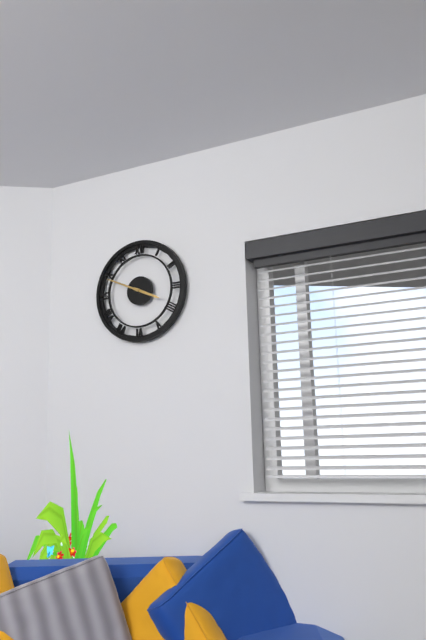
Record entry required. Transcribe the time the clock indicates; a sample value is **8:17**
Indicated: **3:49**
